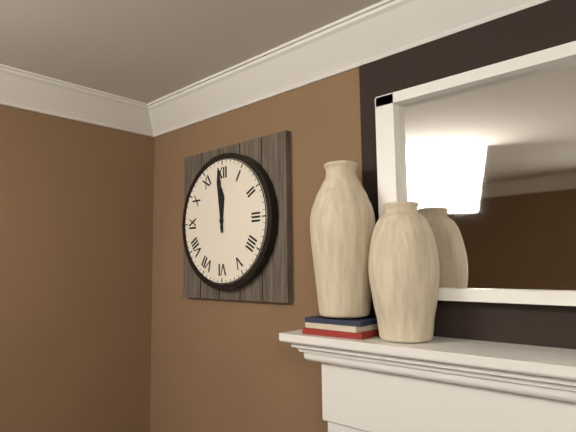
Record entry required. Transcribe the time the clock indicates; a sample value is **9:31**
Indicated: **11:59**
